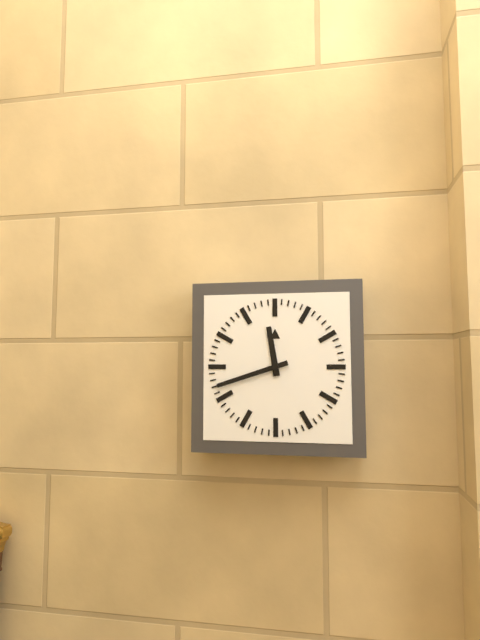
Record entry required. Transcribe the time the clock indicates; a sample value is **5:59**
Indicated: **11:42**
